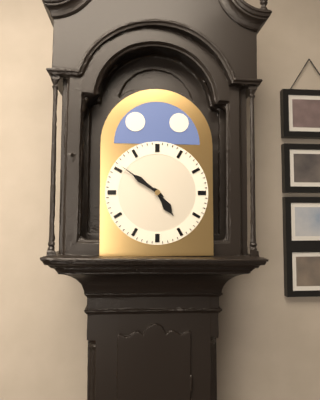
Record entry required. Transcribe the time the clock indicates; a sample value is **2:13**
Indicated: **4:51**
